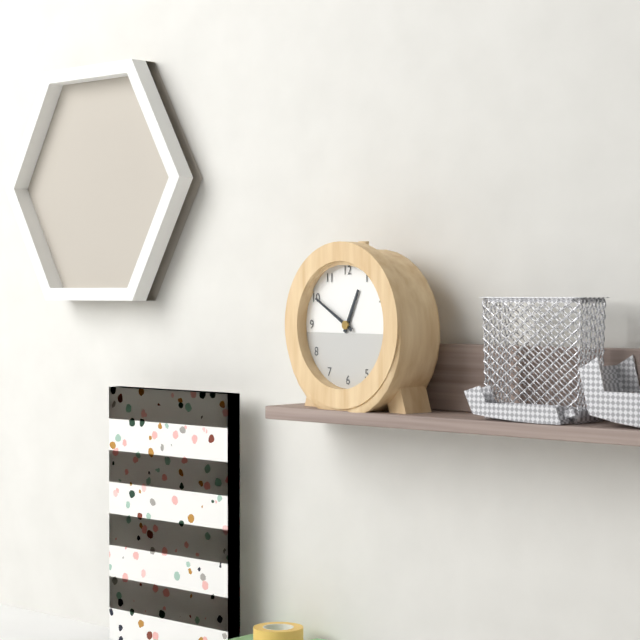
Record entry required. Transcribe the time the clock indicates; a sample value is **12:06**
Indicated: **12:50**
